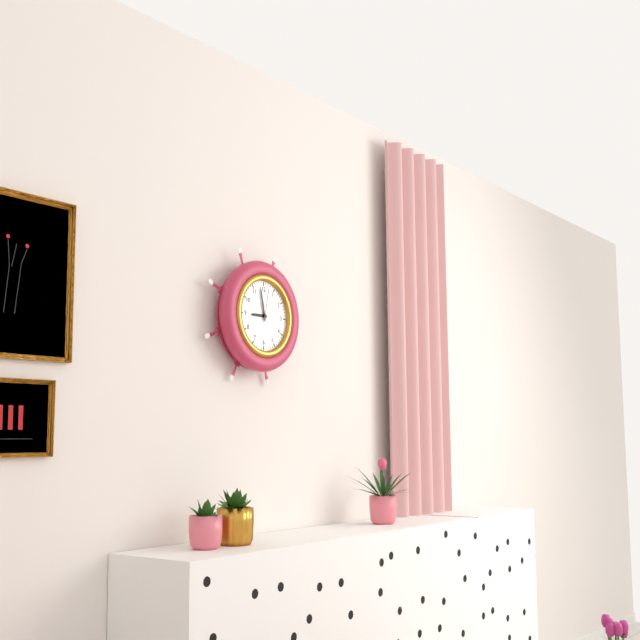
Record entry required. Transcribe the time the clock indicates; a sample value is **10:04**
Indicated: **8:58**
